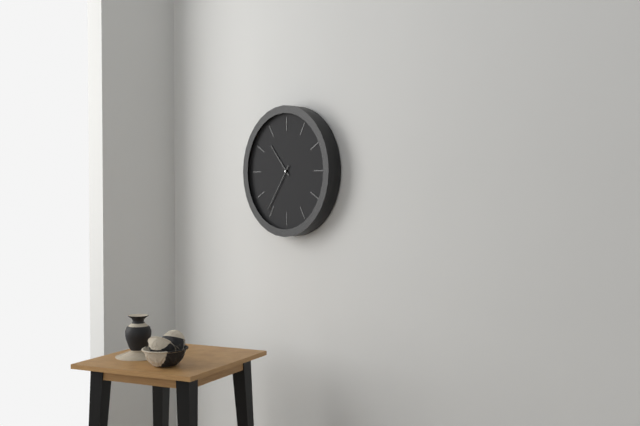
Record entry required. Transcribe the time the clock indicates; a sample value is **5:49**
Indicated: **10:36**
